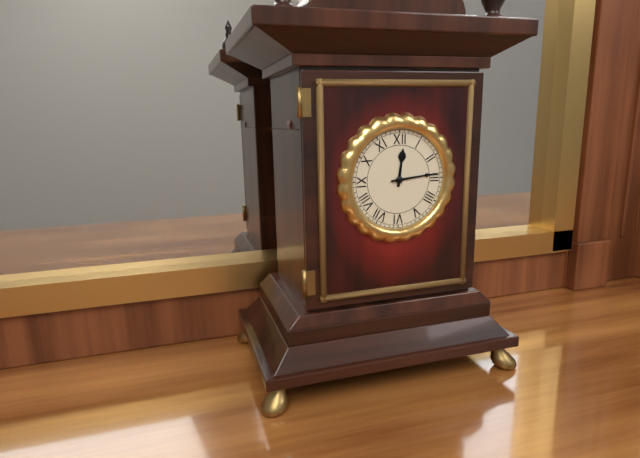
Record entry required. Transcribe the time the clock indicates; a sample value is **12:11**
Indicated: **12:14**
